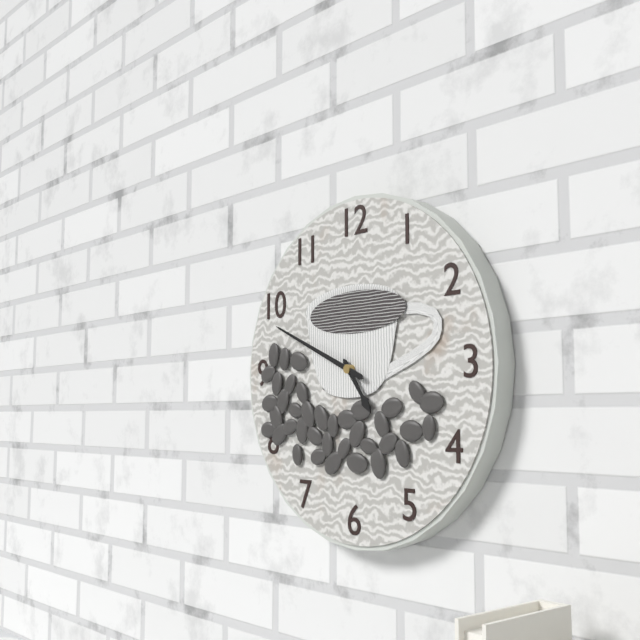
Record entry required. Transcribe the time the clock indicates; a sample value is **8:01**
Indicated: **4:49**
